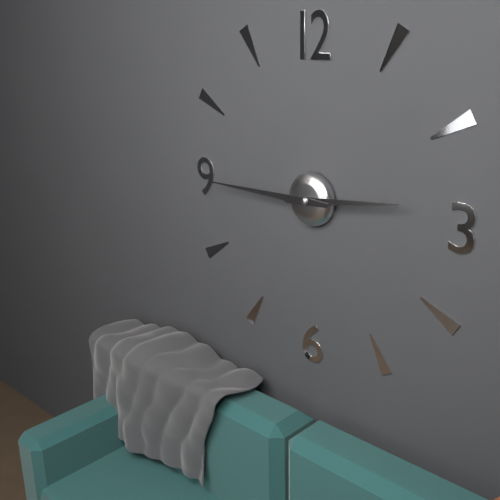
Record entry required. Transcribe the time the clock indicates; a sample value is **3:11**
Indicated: **2:45**
